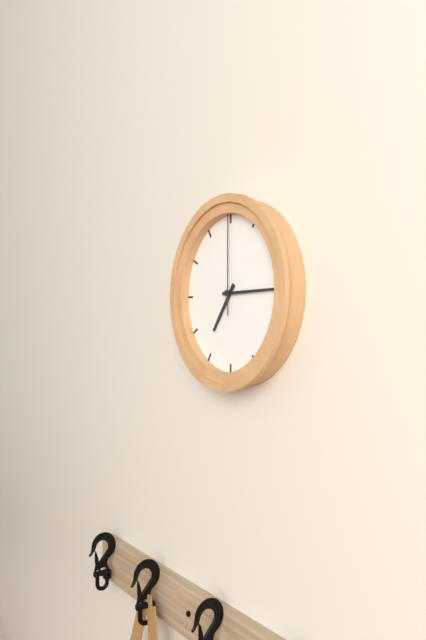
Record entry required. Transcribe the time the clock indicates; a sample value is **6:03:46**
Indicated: **7:15:00**
